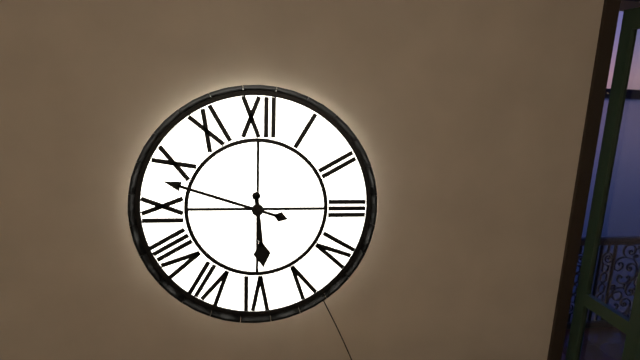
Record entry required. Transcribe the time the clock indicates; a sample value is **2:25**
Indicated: **5:48**
